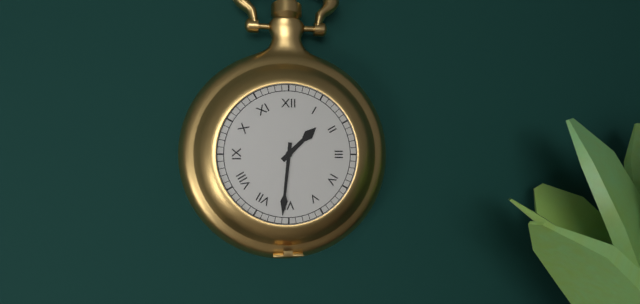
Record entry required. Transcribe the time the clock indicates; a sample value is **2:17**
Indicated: **1:31**
